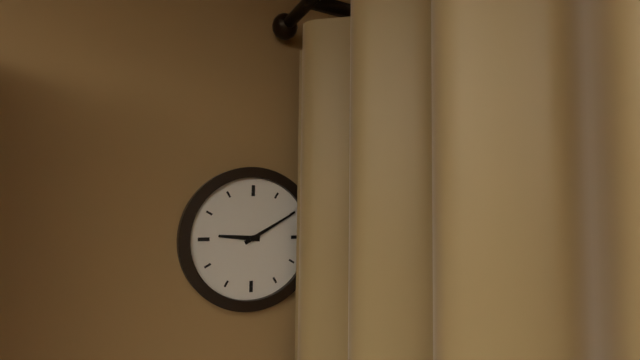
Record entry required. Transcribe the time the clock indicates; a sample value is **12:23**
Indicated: **9:10**
